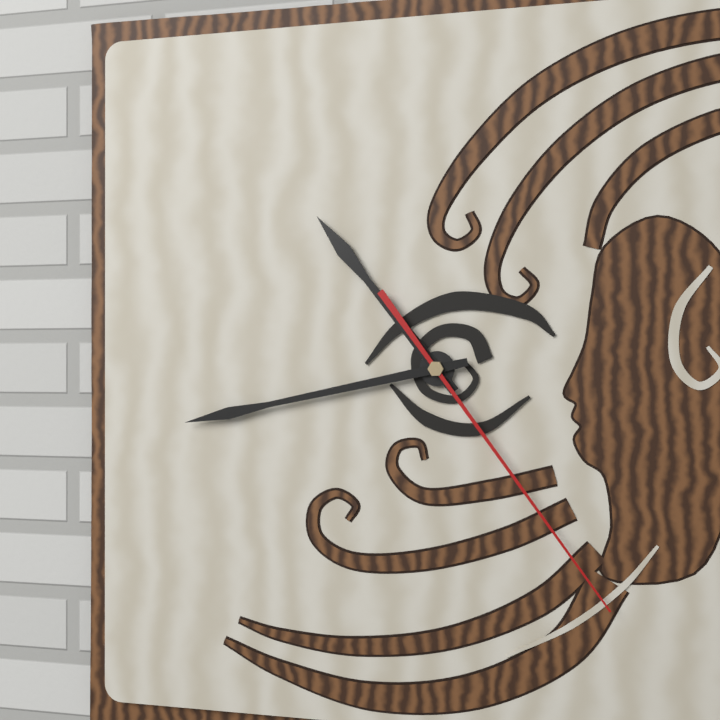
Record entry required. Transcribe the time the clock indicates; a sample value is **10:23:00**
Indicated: **10:43:24**
